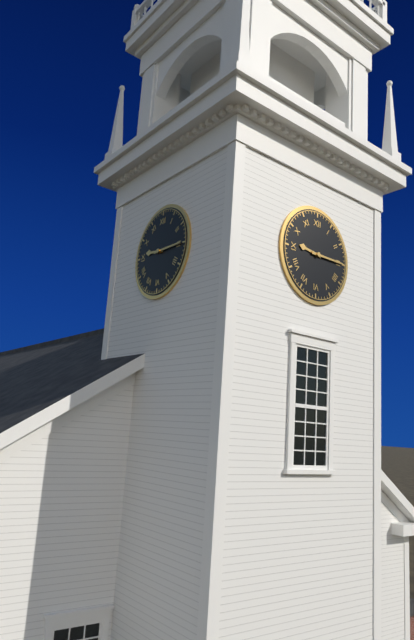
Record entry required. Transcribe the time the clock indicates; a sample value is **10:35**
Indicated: **9:15**
